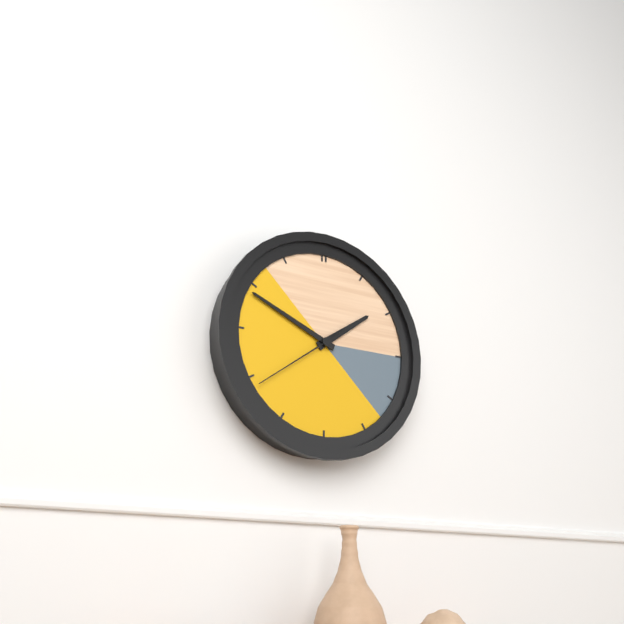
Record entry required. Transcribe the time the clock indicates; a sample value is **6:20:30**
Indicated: **1:49:39**
